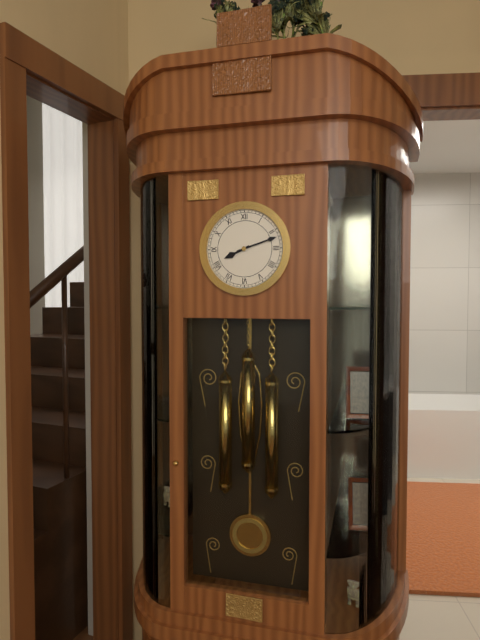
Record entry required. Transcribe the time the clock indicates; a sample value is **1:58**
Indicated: **8:12**
